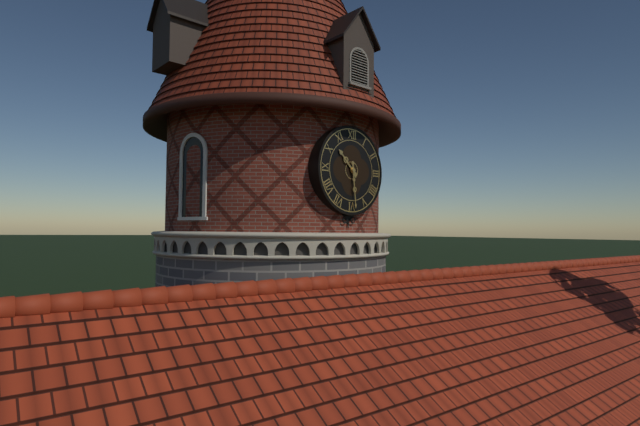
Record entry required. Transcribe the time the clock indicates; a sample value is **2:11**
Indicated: **10:29**
